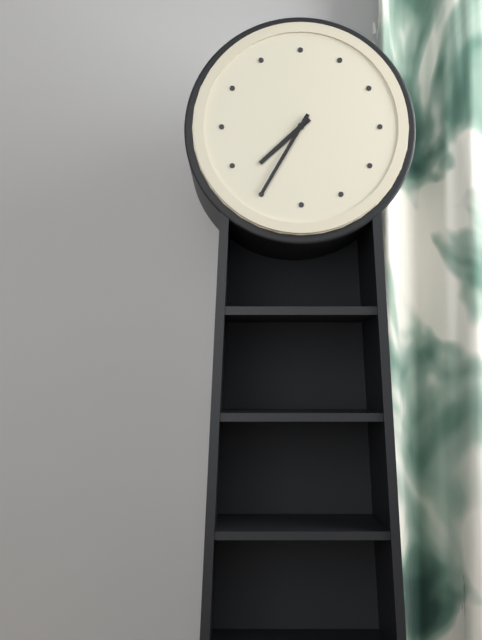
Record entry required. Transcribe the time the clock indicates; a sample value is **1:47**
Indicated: **7:35**
